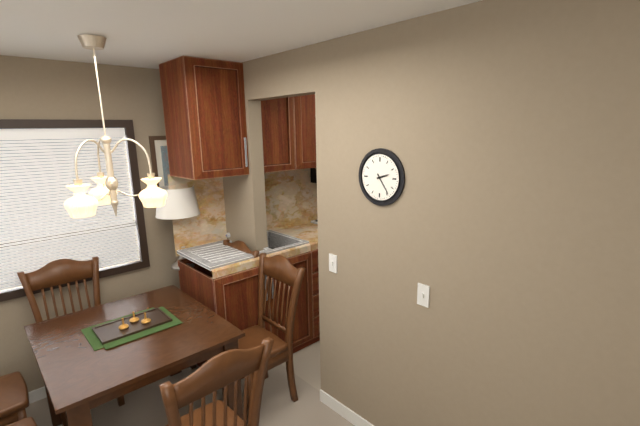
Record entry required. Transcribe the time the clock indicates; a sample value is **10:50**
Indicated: **2:24**
